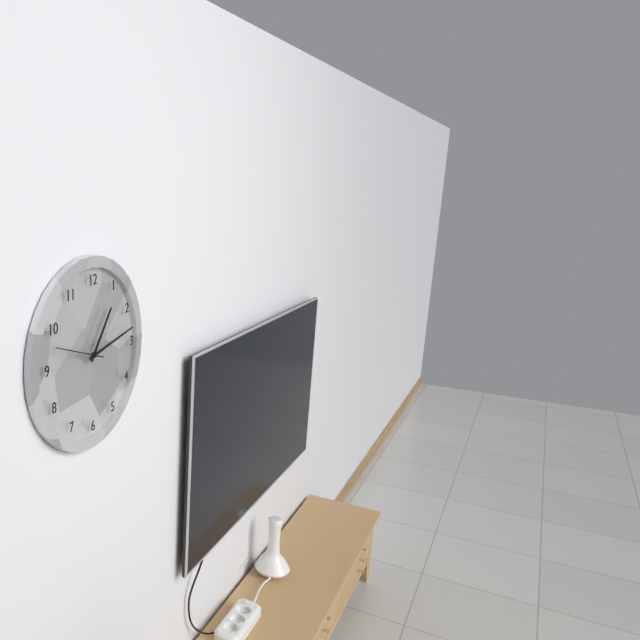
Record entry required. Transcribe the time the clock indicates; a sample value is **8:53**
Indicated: **1:13**
